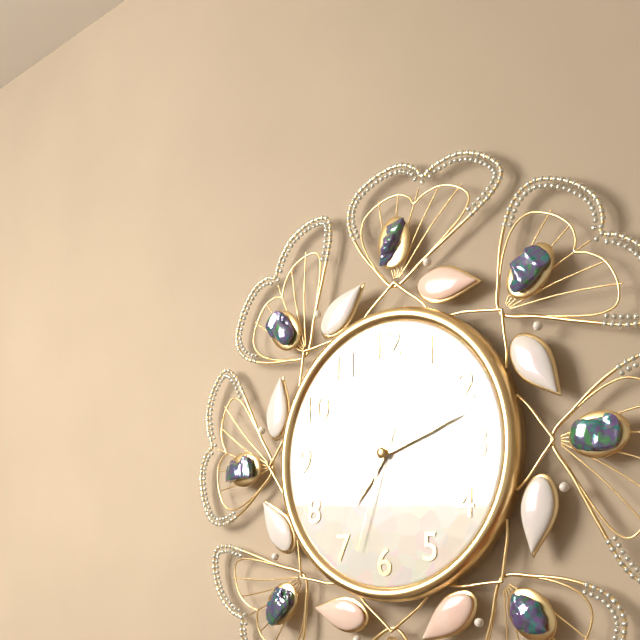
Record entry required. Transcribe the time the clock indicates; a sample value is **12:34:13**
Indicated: **7:12:33**
